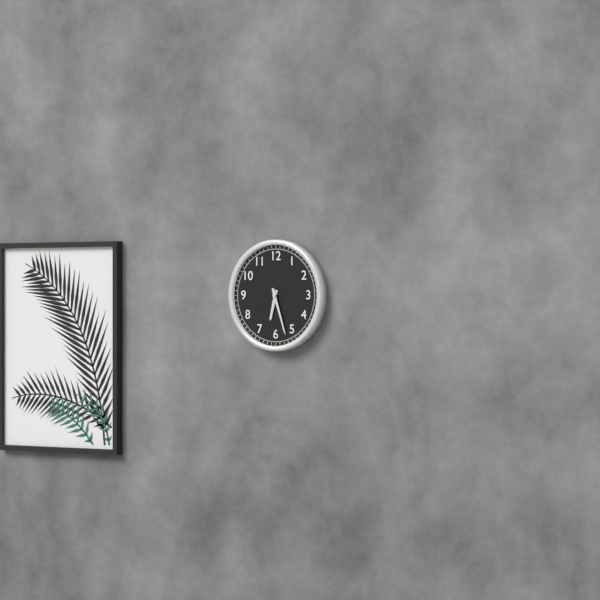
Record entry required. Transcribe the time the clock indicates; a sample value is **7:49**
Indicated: **6:27**
